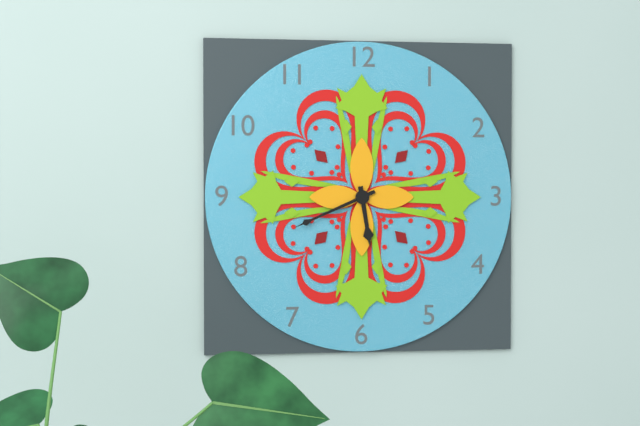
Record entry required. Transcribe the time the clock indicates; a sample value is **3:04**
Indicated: **5:41**
